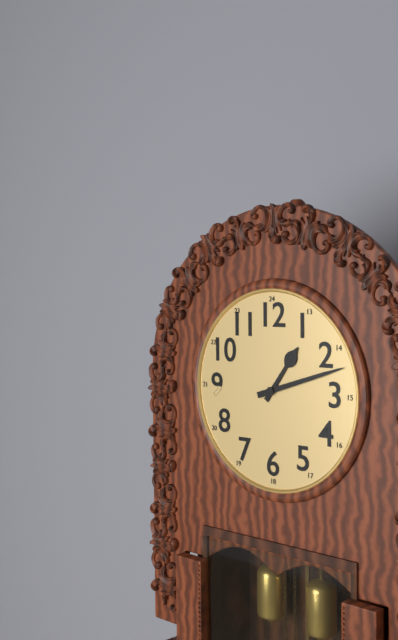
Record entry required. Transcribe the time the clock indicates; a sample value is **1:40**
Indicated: **1:12**
